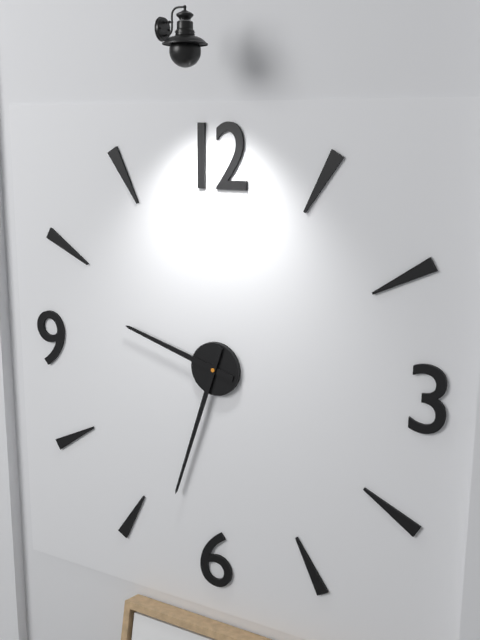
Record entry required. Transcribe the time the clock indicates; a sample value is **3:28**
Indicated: **9:33**
